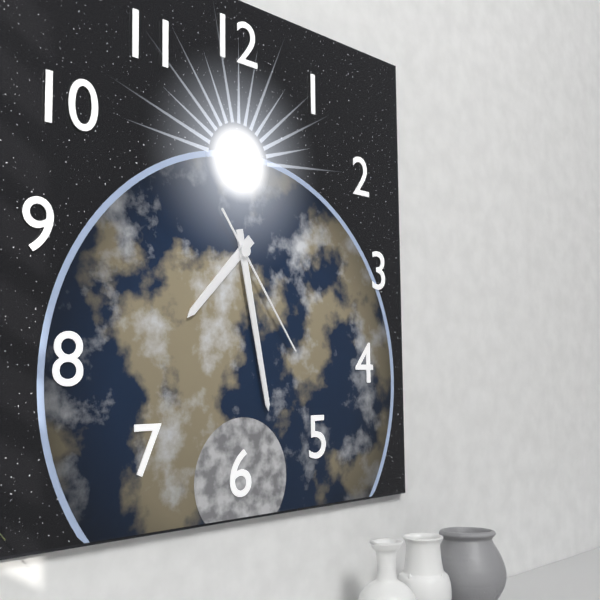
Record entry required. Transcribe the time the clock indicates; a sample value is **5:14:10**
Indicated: **7:28:24**
